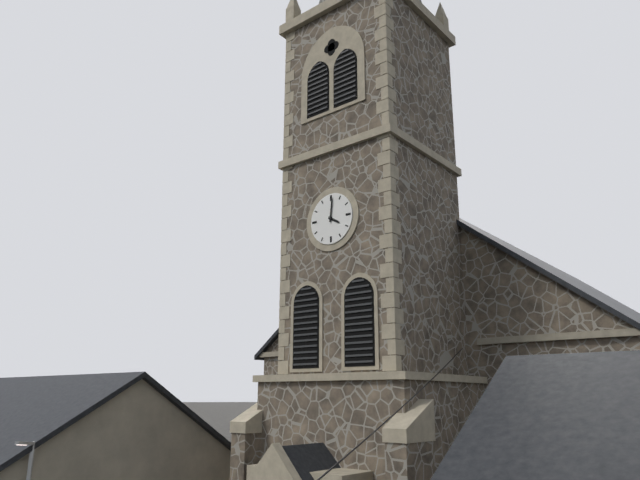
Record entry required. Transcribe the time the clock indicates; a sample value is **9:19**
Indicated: **4:01**
